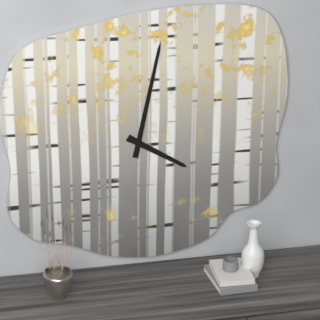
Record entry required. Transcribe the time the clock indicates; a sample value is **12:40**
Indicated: **4:02**
